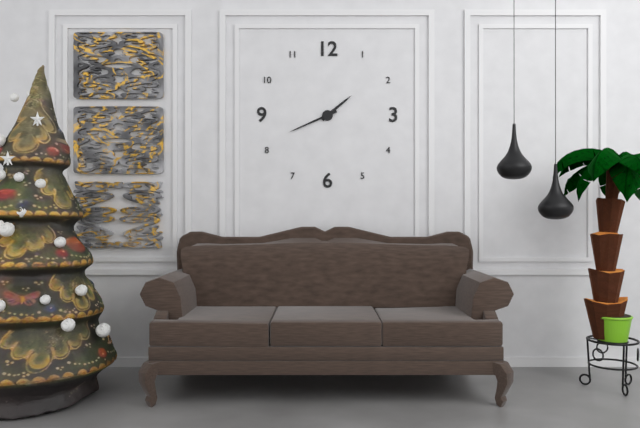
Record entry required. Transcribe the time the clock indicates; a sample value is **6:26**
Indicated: **1:41**
